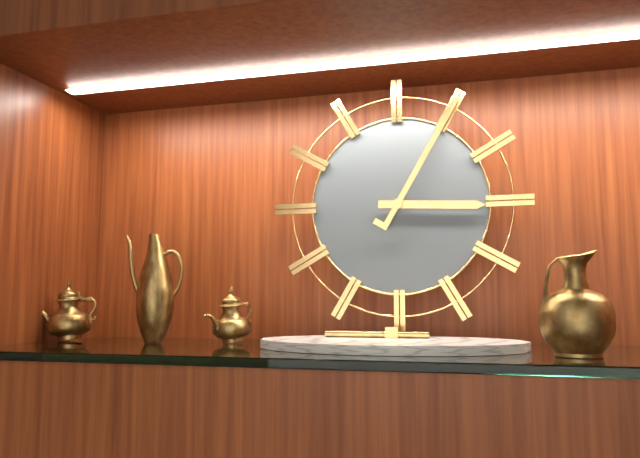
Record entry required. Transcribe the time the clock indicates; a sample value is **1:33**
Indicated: **3:05**
